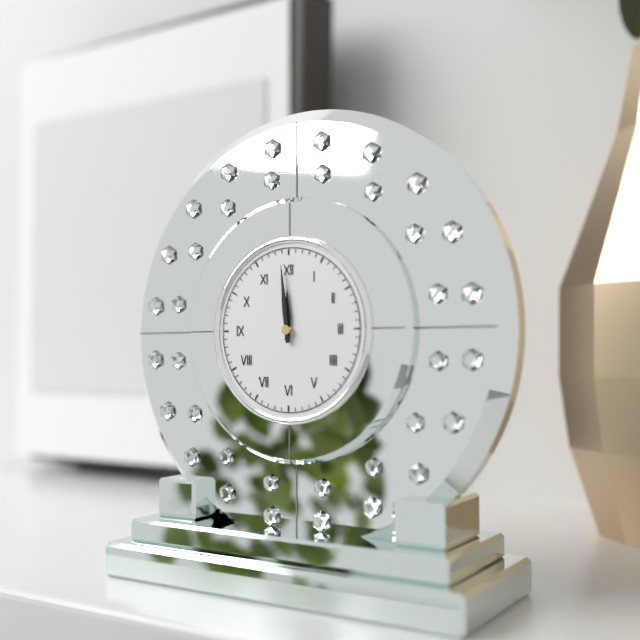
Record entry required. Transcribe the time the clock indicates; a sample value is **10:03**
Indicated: **11:59**
